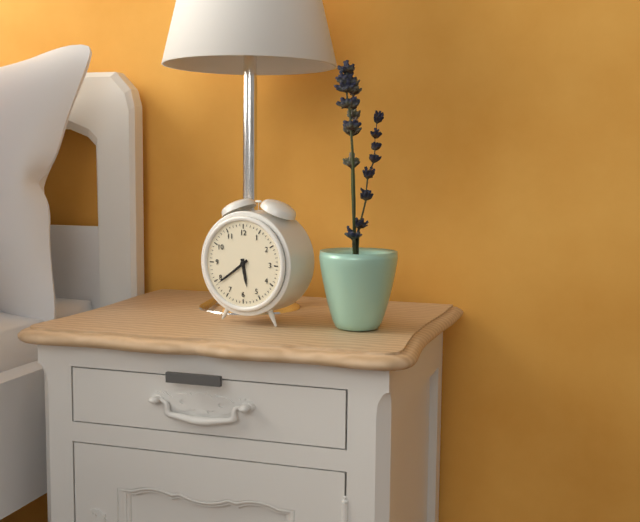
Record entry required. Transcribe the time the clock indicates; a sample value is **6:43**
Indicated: **5:39**
